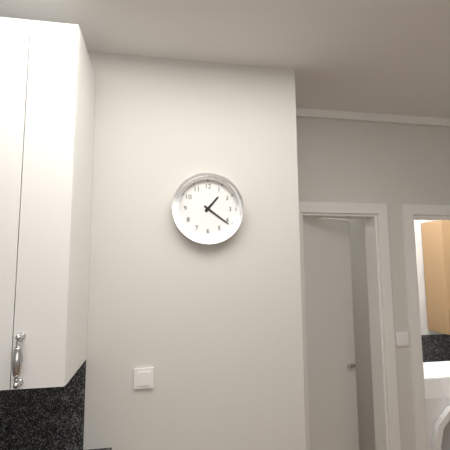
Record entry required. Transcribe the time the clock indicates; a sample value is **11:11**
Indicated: **1:21**
